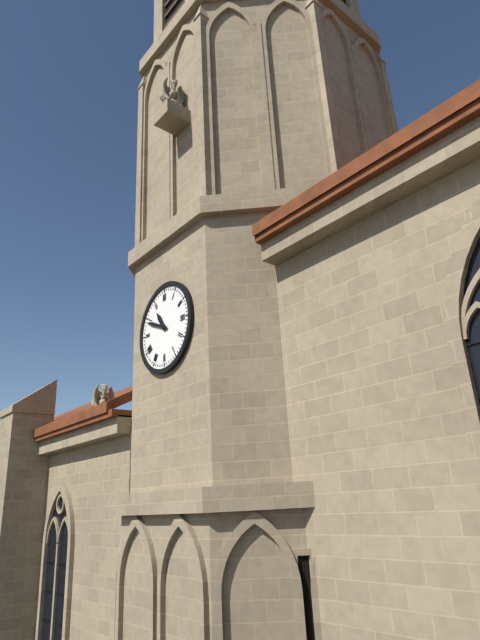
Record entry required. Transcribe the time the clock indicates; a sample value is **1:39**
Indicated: **10:49**
